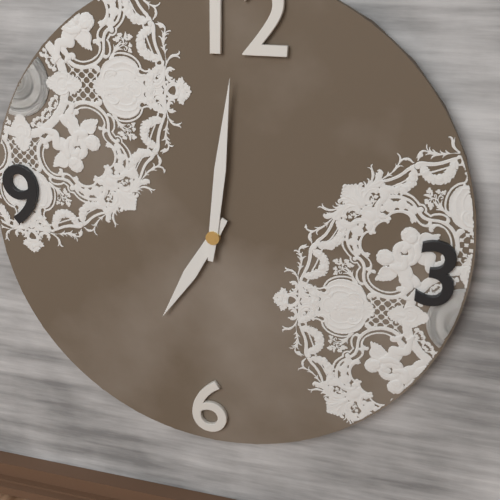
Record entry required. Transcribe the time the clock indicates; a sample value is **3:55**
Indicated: **7:01**
